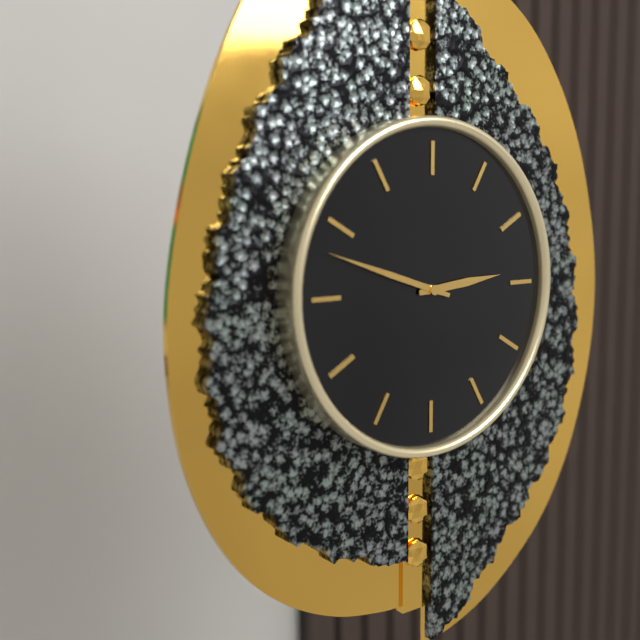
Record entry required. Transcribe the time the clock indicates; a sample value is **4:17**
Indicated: **2:48**
